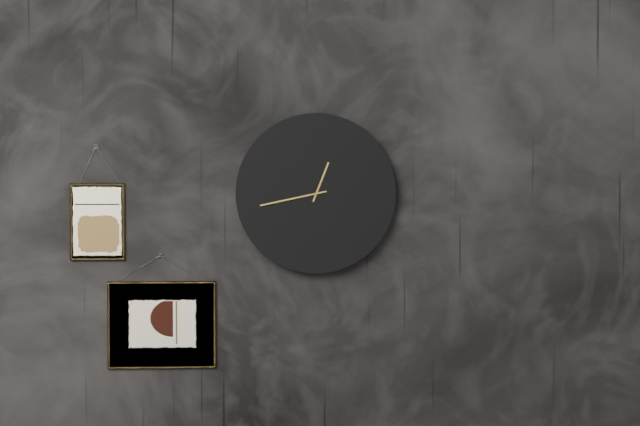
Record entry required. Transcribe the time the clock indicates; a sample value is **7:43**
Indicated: **12:43**
